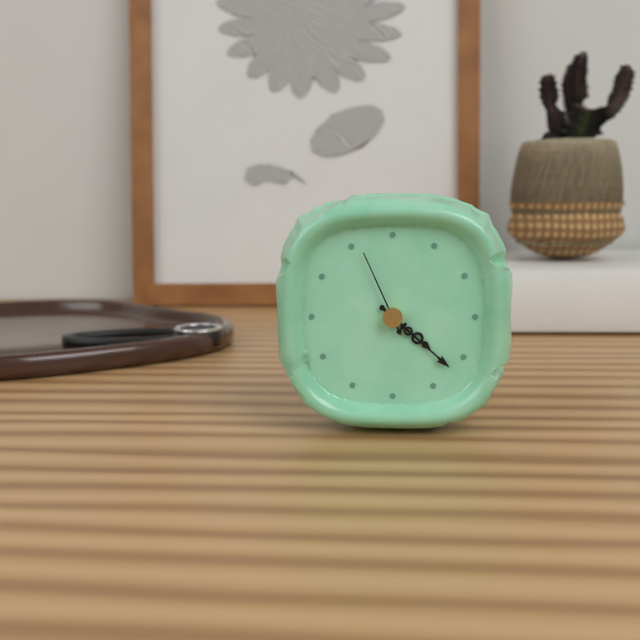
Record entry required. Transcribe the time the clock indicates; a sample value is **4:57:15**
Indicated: **4:22:56**
